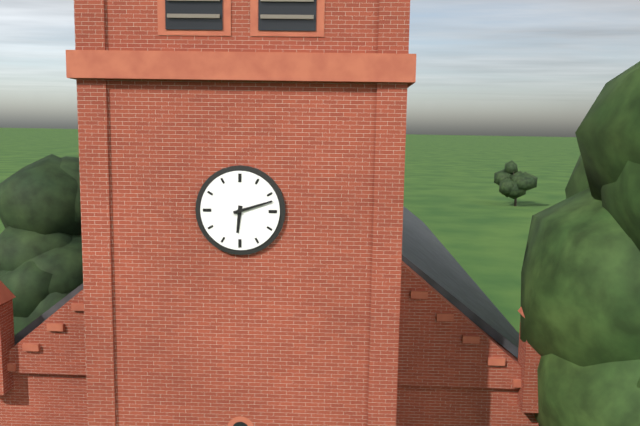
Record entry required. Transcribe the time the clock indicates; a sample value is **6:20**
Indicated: **6:12**
